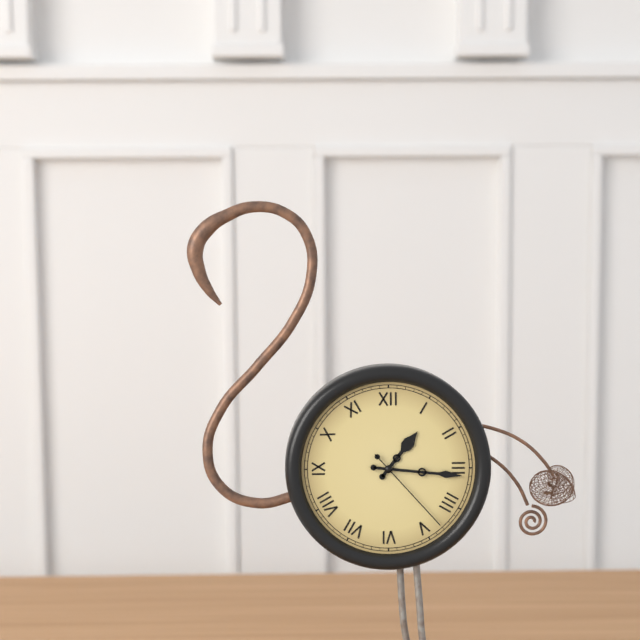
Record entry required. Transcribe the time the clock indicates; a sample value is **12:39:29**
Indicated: **1:16:23**
